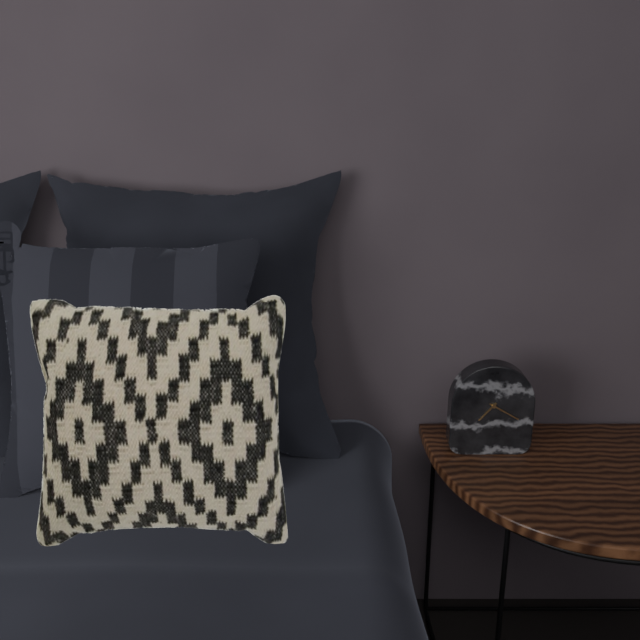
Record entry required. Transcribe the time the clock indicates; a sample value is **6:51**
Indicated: **7:20**
